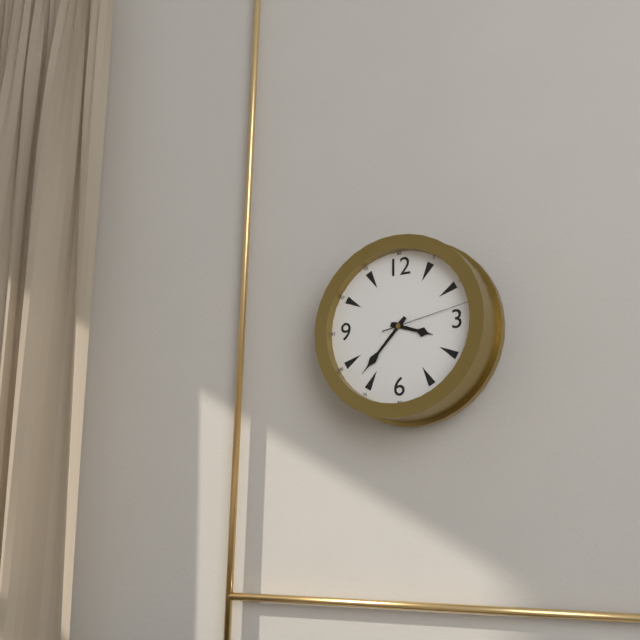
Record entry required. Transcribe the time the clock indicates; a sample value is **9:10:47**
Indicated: **3:37:13**
